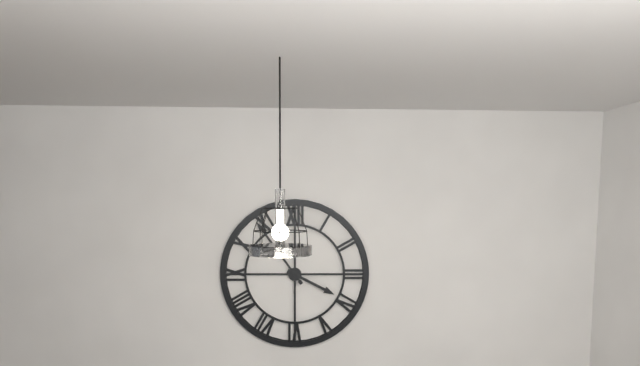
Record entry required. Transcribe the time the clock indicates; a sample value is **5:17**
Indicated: **3:54**
